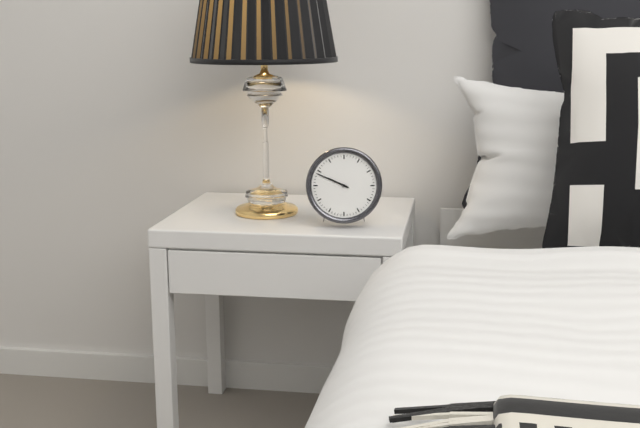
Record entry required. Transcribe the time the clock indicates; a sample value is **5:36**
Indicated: **9:49**
